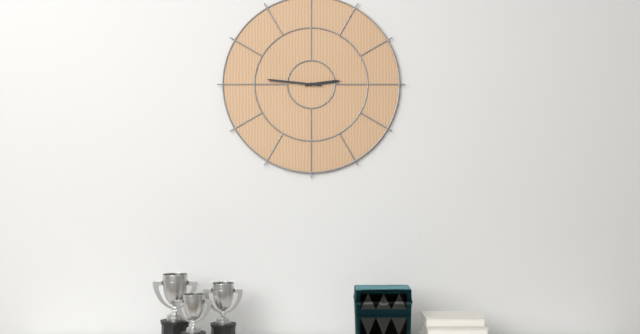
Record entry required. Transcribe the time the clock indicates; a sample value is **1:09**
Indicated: **2:46**
